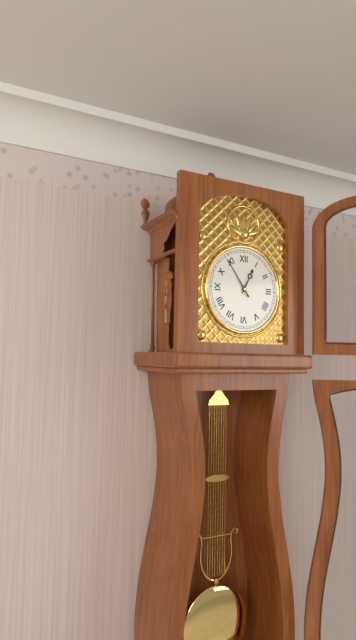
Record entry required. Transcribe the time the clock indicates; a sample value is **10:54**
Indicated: **12:54**
